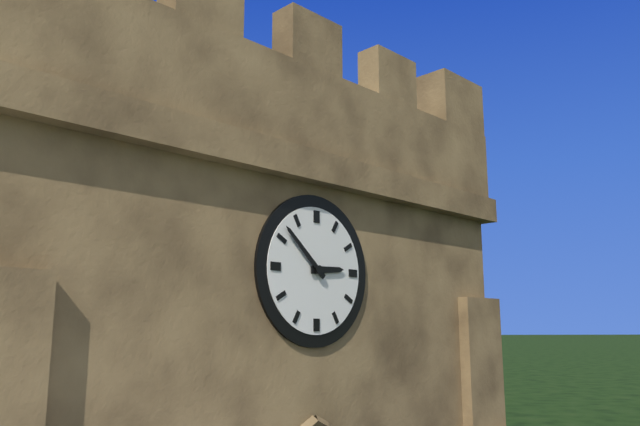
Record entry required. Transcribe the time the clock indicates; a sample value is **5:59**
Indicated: **2:52**
